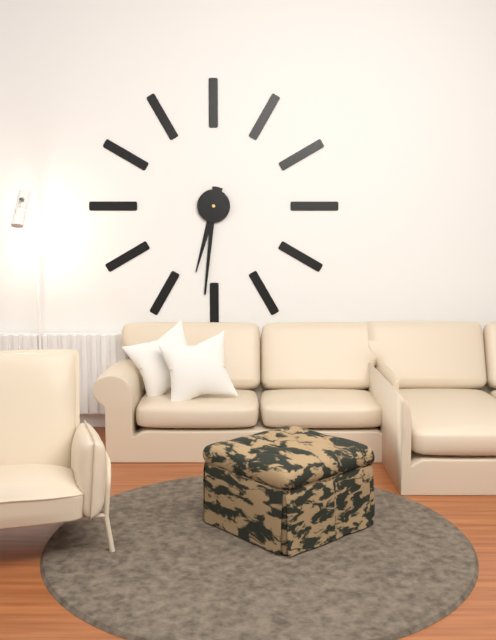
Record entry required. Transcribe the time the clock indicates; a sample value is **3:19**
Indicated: **6:31**
